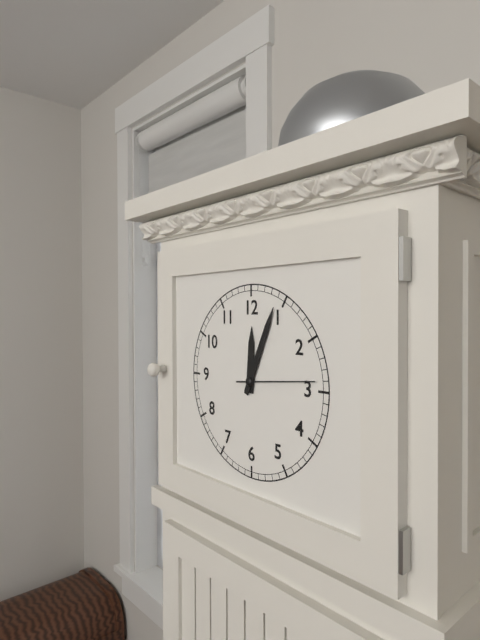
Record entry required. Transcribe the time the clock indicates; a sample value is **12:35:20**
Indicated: **12:04:14**
